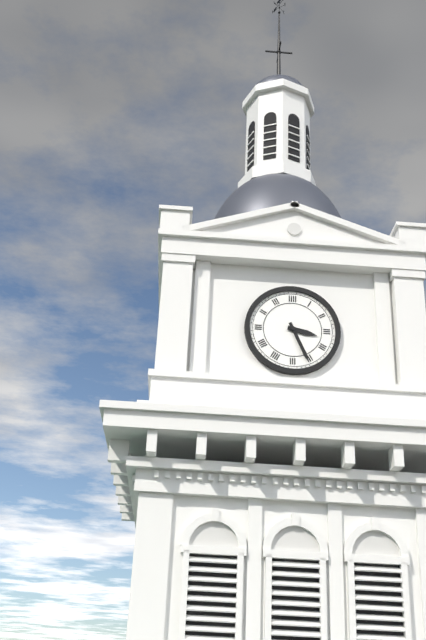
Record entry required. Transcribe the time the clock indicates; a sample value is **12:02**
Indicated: **3:26**
